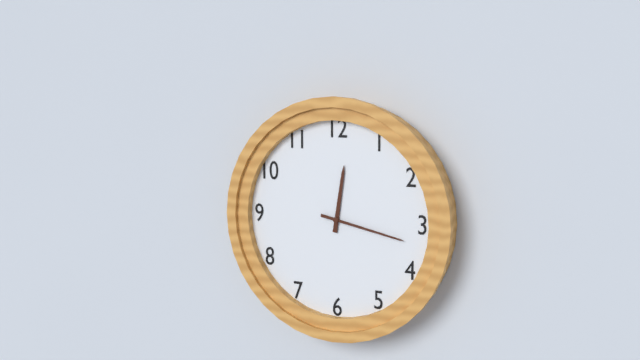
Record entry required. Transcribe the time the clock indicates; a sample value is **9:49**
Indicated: **12:17**
